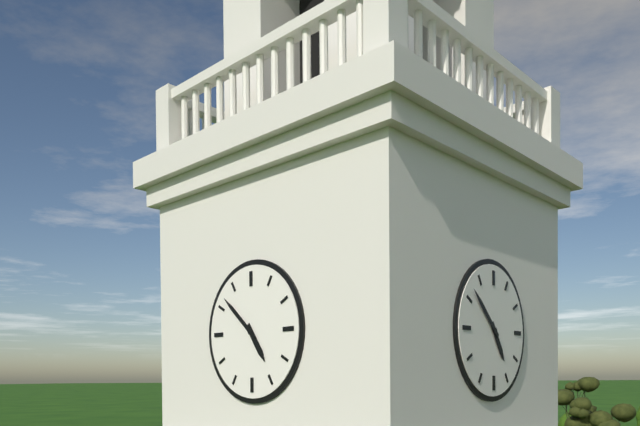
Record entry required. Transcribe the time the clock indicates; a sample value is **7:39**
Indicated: **4:52**
